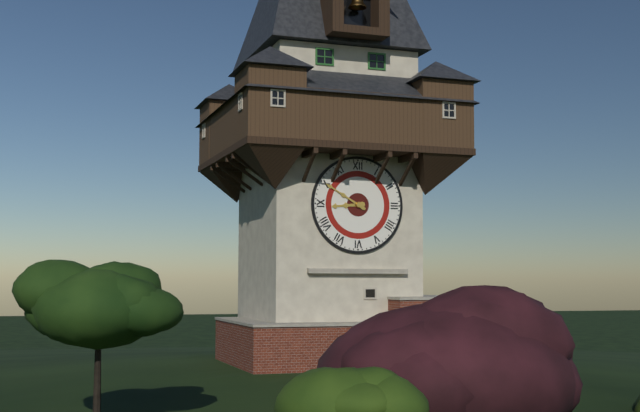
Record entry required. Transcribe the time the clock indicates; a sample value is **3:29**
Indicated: **8:50**
